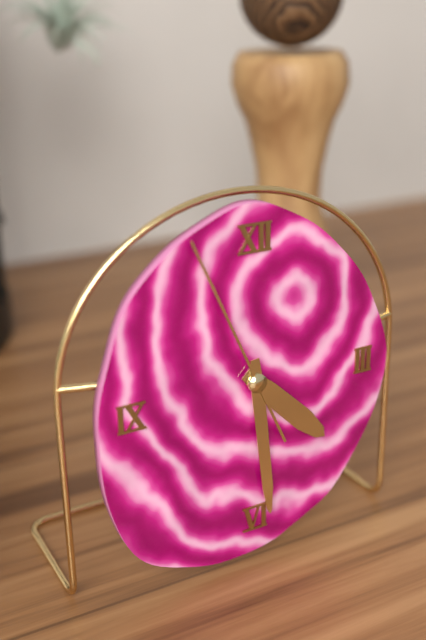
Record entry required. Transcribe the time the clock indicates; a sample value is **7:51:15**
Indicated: **4:29:56**
